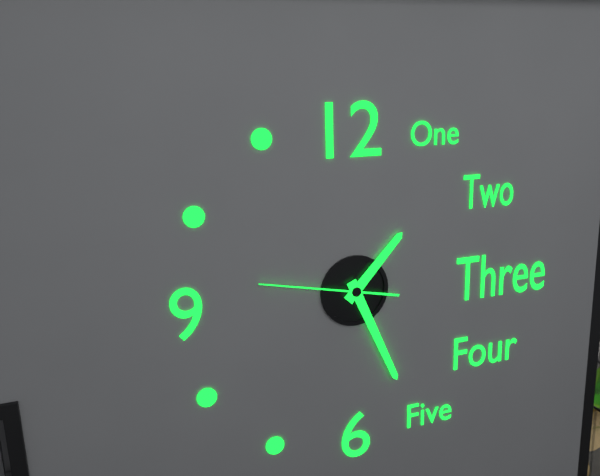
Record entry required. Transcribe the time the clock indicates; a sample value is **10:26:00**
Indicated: **1:26:47**
